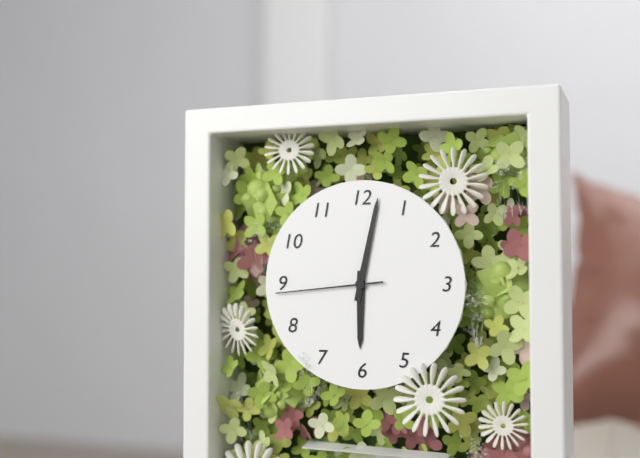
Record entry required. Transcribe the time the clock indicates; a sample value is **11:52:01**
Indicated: **6:02:44**
